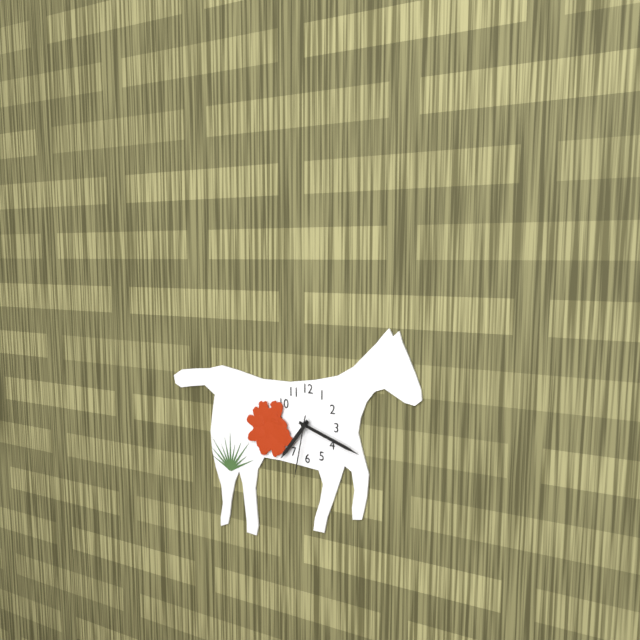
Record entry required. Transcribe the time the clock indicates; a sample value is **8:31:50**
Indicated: **7:18:32**
